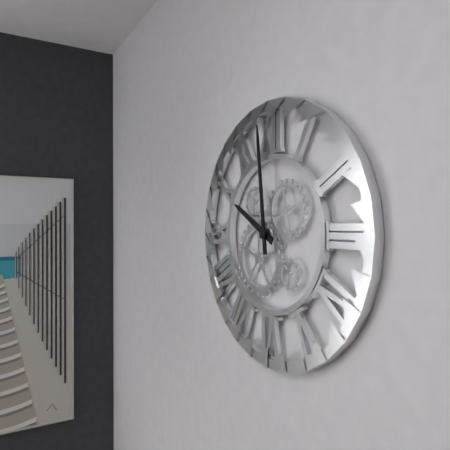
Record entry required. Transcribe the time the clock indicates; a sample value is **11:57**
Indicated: **9:59**
